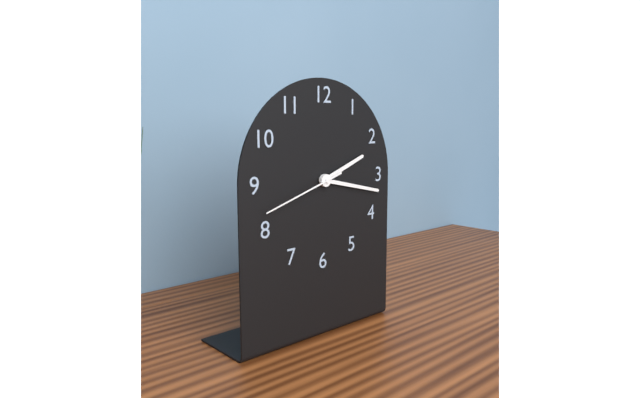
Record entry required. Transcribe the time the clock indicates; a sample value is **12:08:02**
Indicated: **2:17:42**
